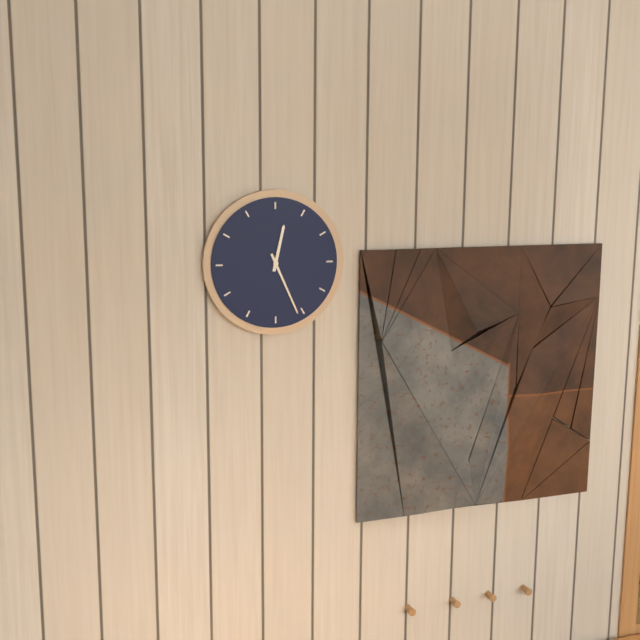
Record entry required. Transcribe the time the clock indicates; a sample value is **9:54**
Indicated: **12:26**
